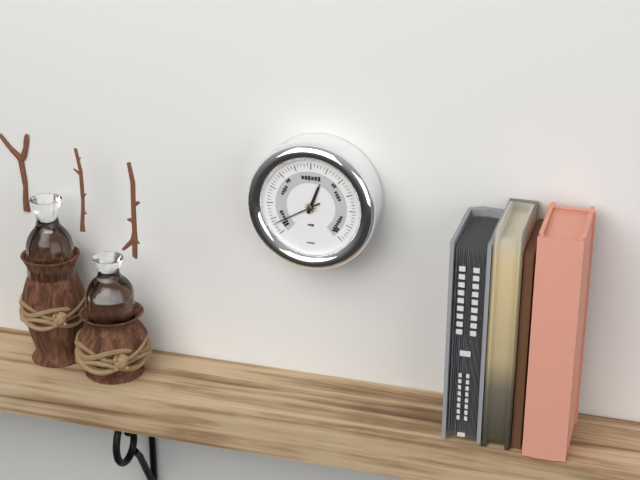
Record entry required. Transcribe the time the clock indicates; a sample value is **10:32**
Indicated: **12:40**
